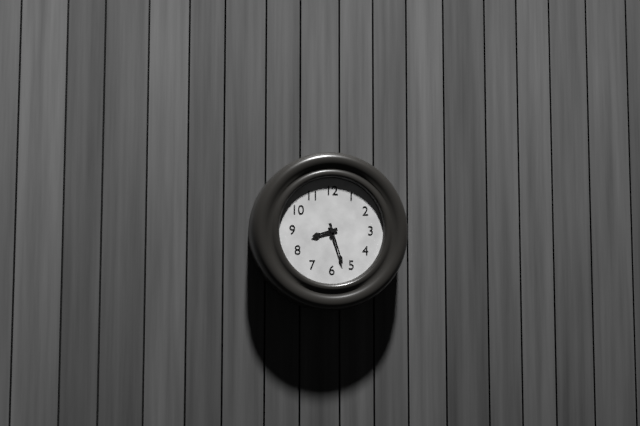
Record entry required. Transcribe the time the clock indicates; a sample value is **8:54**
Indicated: **8:27**
